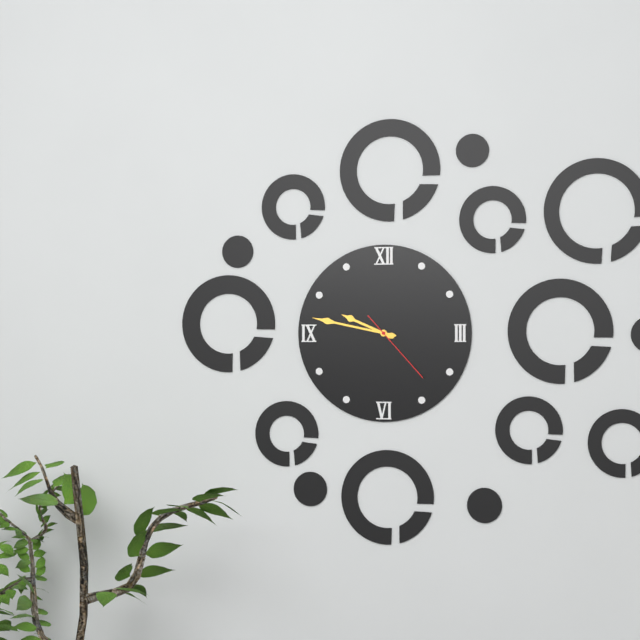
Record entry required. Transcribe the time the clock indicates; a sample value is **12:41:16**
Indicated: **9:47:23**
